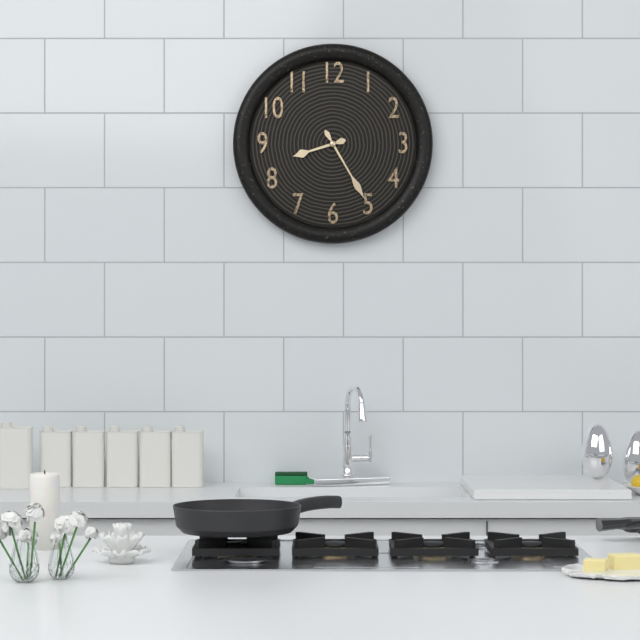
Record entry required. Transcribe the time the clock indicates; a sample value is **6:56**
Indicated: **8:25**
